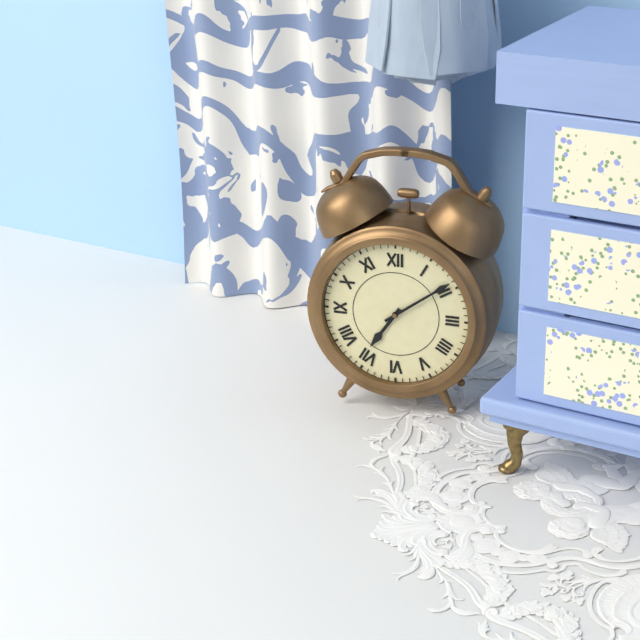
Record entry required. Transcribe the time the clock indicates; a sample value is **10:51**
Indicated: **7:09**
